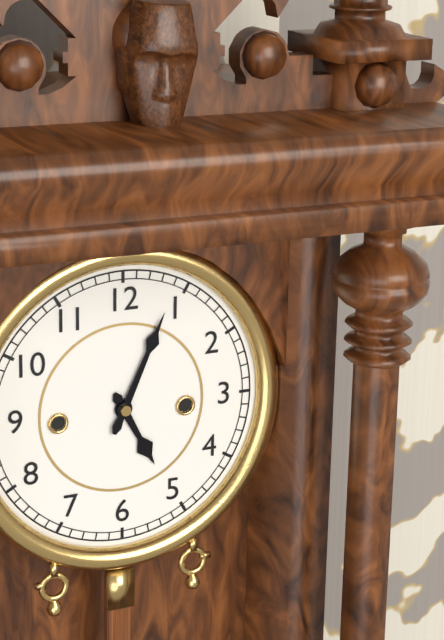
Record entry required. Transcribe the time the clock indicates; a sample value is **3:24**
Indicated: **5:04**
